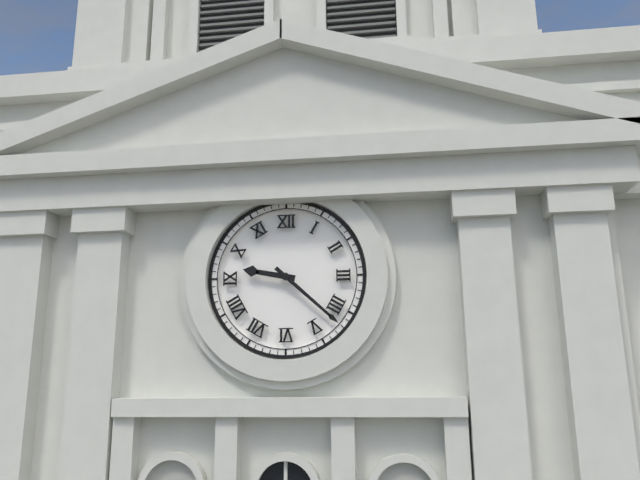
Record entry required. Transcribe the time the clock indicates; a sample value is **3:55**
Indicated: **9:22**
